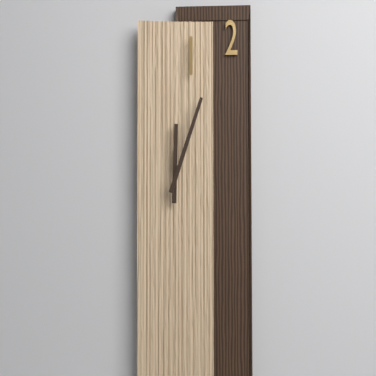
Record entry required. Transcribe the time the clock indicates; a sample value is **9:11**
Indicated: **12:03**
